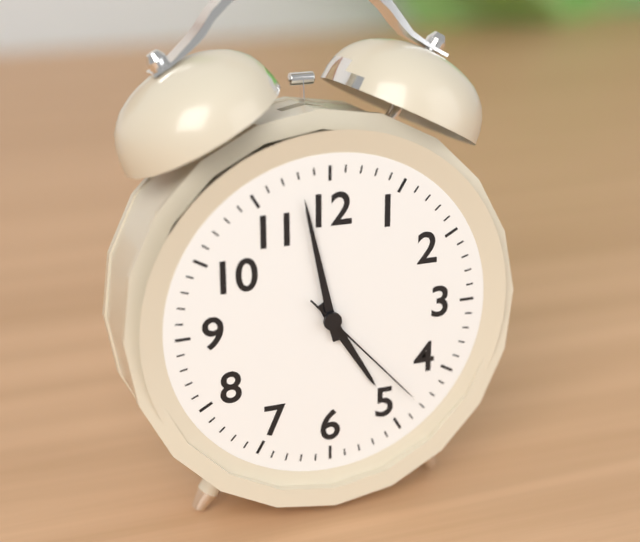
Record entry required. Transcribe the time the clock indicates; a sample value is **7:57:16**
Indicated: **4:58:23**
